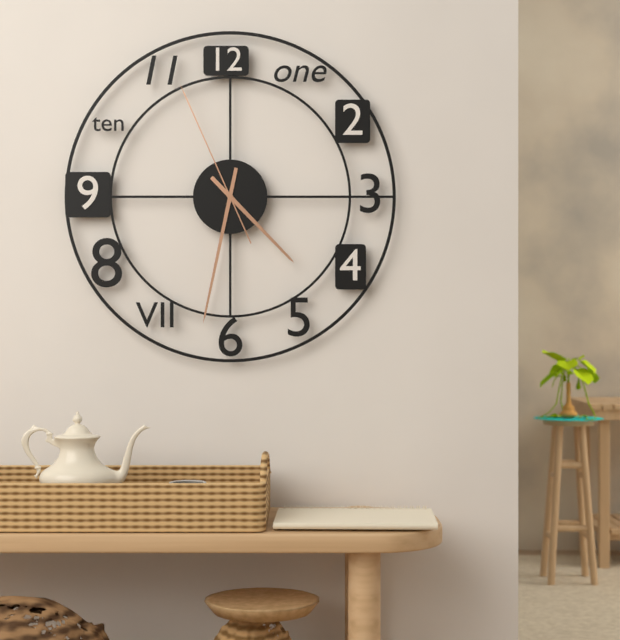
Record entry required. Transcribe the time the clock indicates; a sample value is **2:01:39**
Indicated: **4:32:56**
